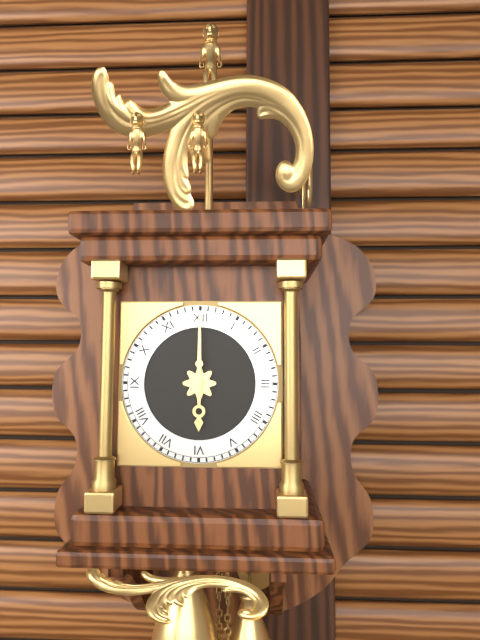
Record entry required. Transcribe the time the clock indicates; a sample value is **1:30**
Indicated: **6:00**
